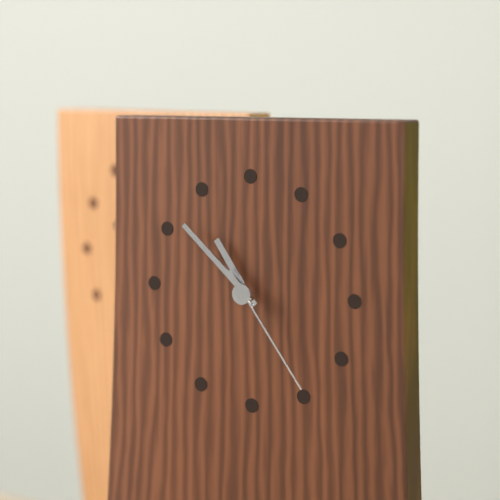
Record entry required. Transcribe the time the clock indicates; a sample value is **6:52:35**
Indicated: **10:52:24**
